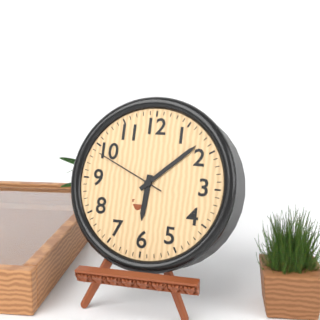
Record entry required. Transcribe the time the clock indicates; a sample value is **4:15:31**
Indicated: **6:08:49**
